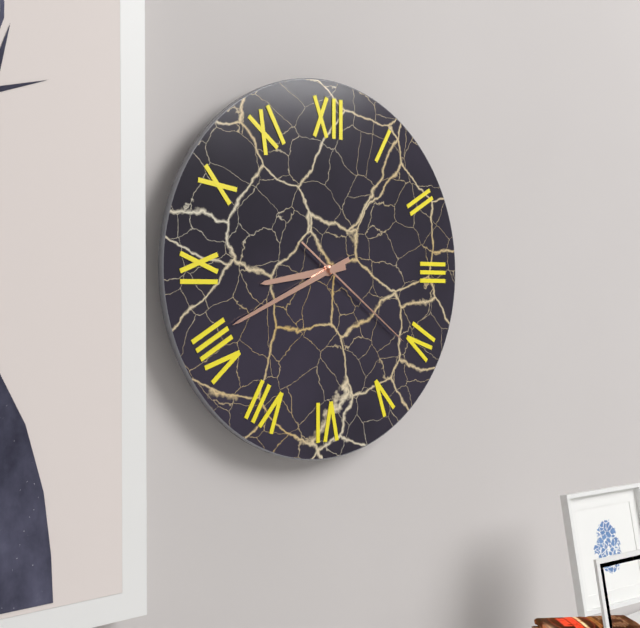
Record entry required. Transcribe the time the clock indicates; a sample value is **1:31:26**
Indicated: **8:41:21**
